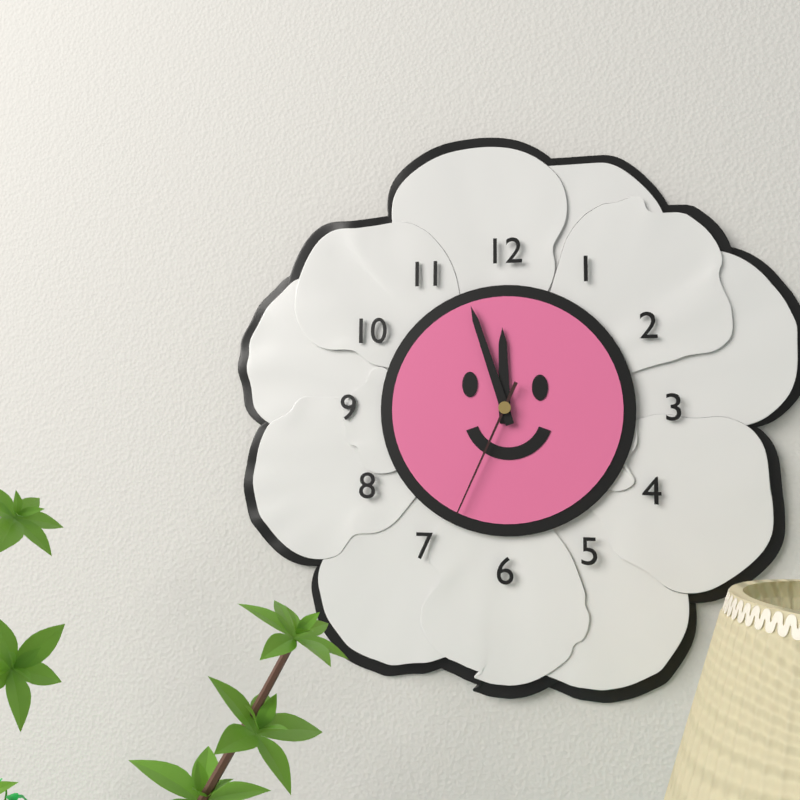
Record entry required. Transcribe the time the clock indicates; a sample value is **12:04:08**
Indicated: **11:57:34**
